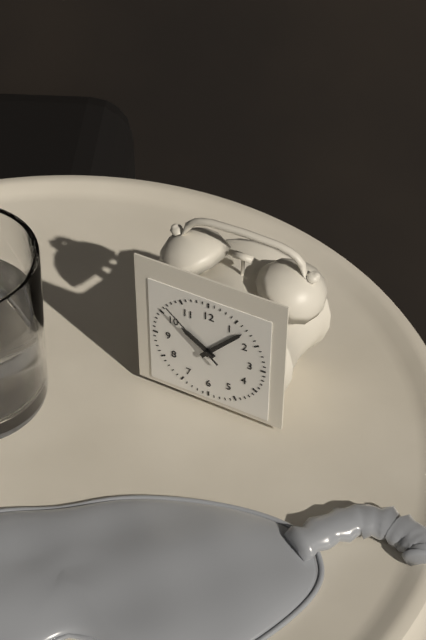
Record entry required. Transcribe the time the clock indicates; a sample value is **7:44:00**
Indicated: **10:07:52**
